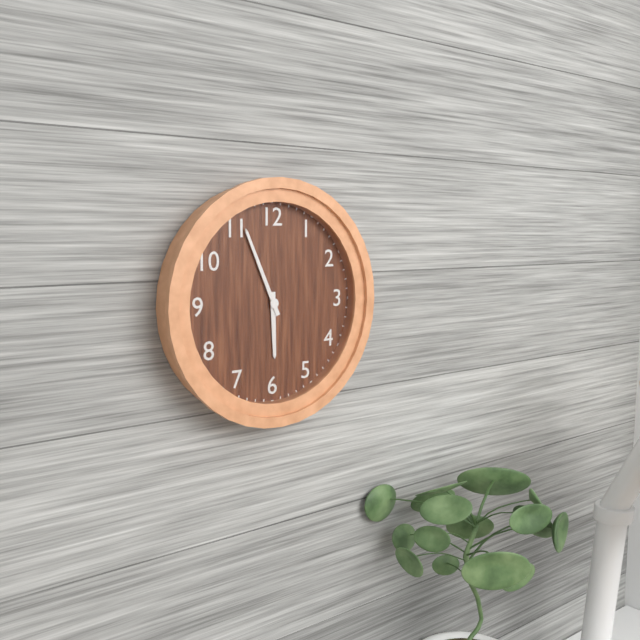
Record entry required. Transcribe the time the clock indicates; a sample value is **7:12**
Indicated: **5:56**
